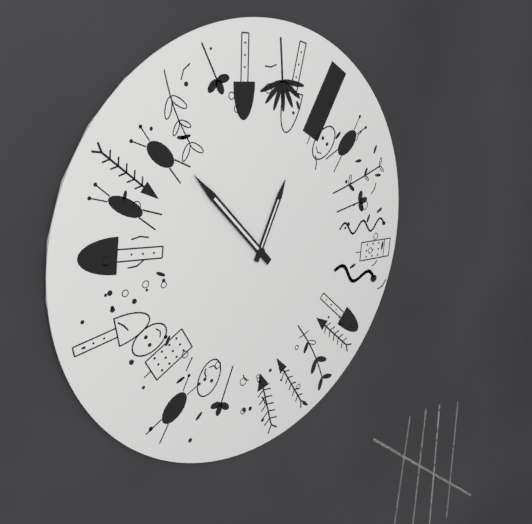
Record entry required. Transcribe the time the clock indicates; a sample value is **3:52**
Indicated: **12:53**
